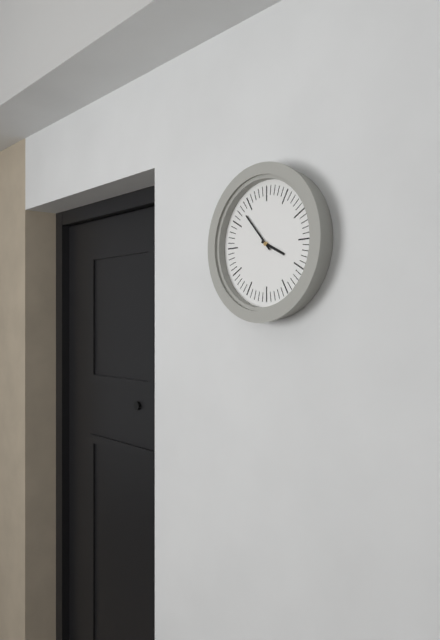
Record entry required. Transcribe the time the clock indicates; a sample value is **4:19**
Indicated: **3:53**
